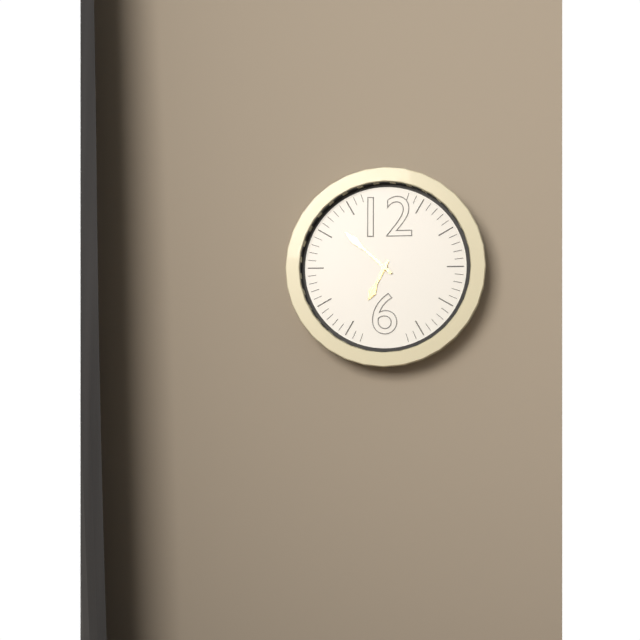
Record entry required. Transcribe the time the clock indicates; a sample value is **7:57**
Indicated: **6:52**
